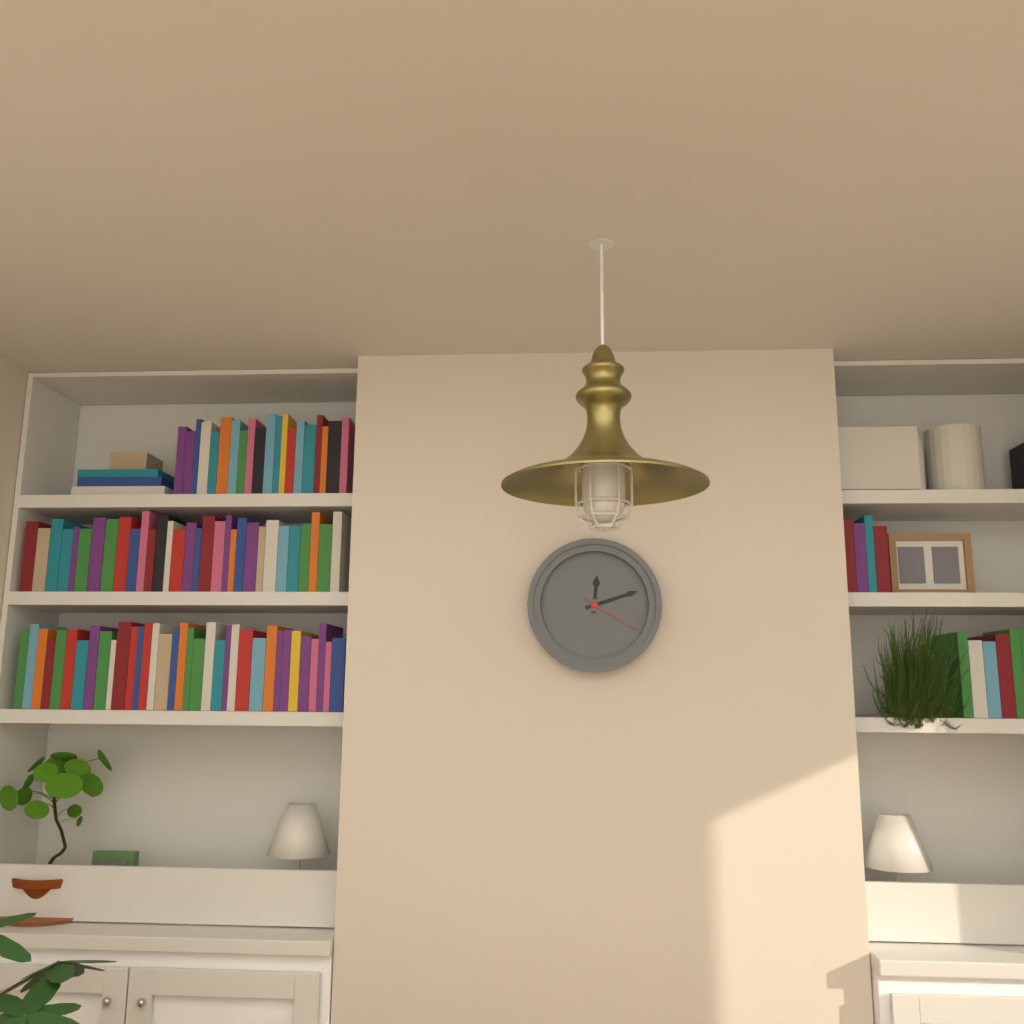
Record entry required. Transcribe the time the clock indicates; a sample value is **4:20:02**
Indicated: **12:12:20**
